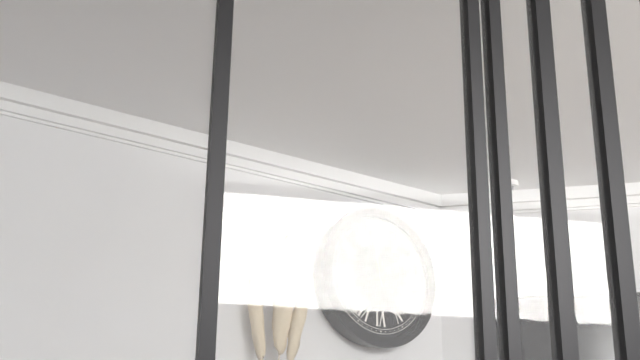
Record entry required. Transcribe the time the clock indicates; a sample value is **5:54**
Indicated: **1:58**
